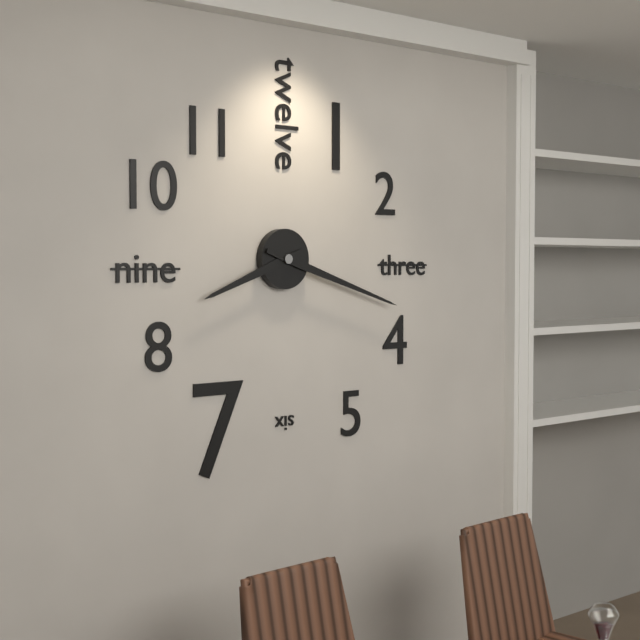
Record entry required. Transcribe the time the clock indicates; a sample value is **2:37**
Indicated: **8:18**
